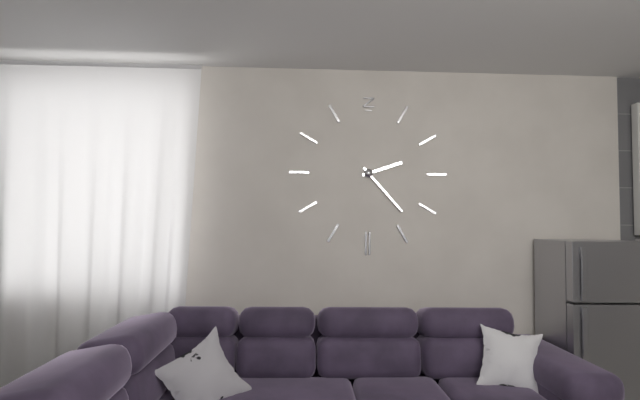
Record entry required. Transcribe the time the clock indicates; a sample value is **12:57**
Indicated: **2:23**
